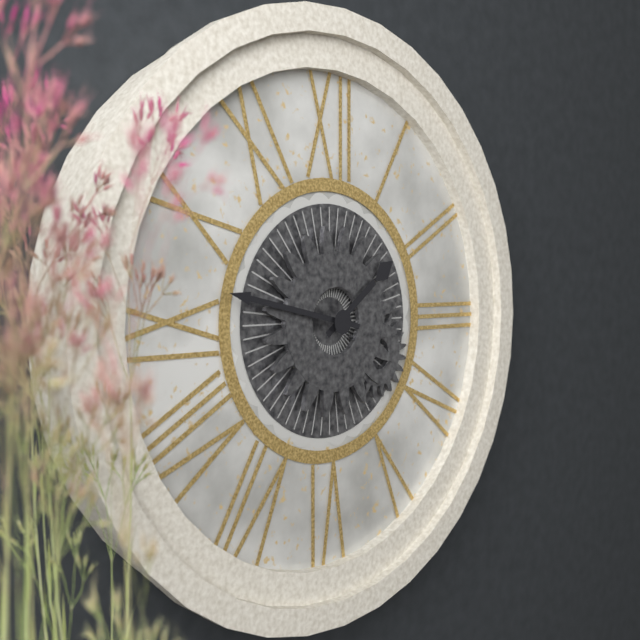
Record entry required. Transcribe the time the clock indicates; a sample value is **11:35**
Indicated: **1:47**
